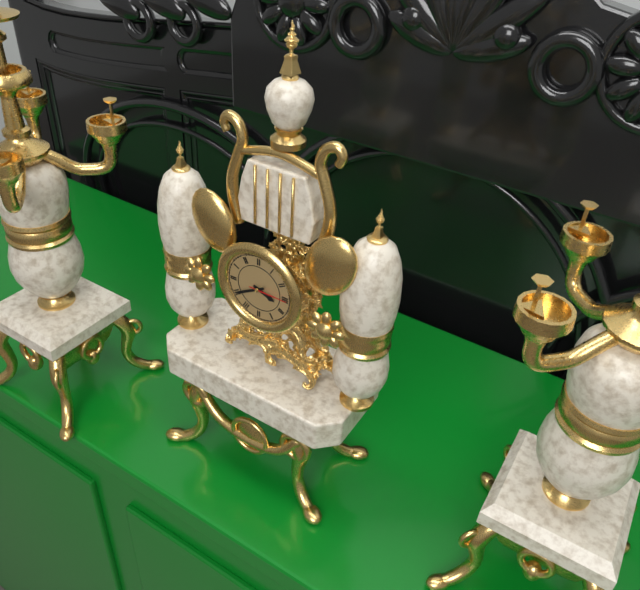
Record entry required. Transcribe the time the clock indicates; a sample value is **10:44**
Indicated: **3:40**
